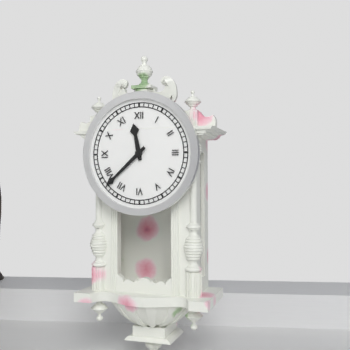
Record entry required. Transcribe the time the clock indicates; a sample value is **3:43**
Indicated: **11:38**
